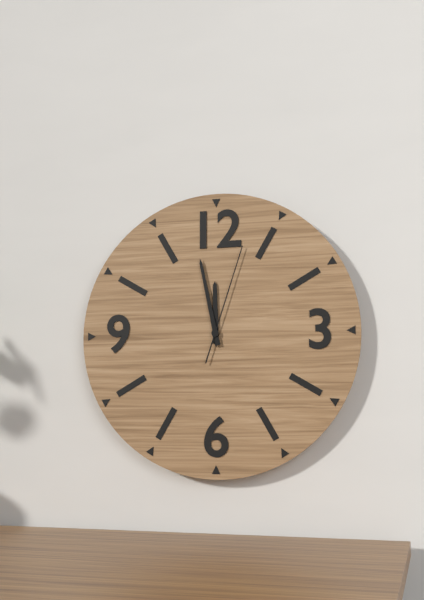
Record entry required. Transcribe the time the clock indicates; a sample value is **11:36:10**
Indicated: **11:58:03**
